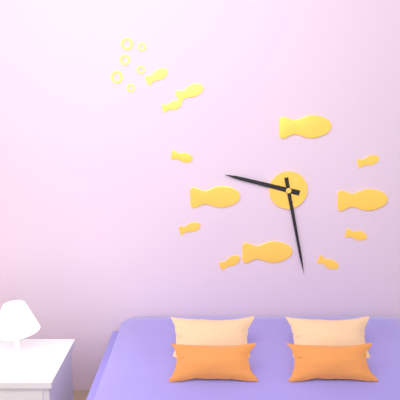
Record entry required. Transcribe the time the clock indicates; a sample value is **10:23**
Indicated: **9:28**
